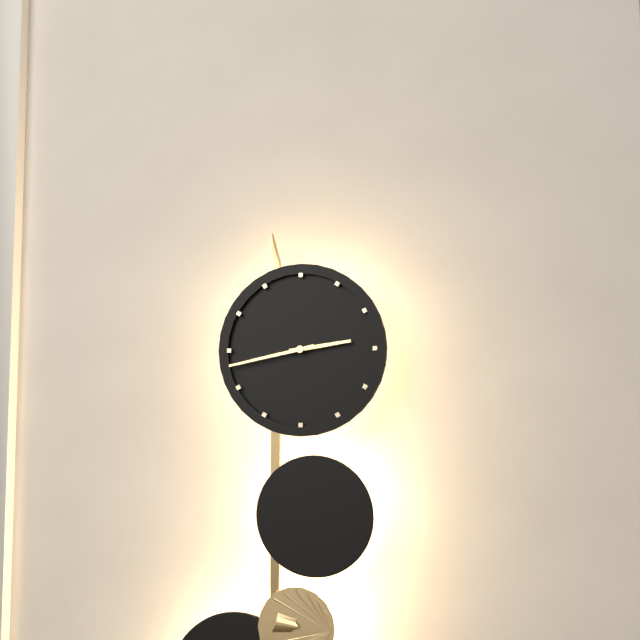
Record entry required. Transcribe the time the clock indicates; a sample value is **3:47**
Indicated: **2:43**
